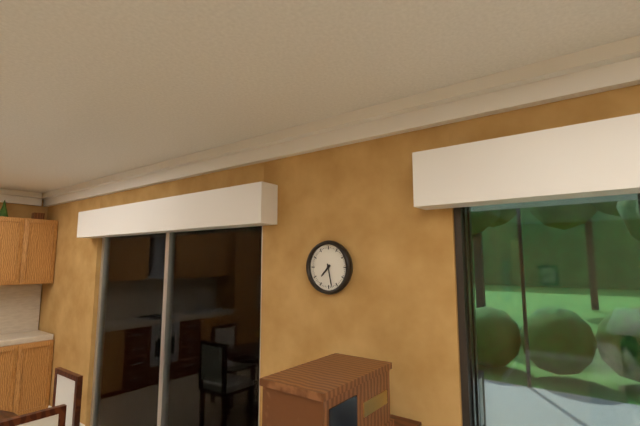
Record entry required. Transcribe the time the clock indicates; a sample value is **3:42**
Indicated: **7:28**
